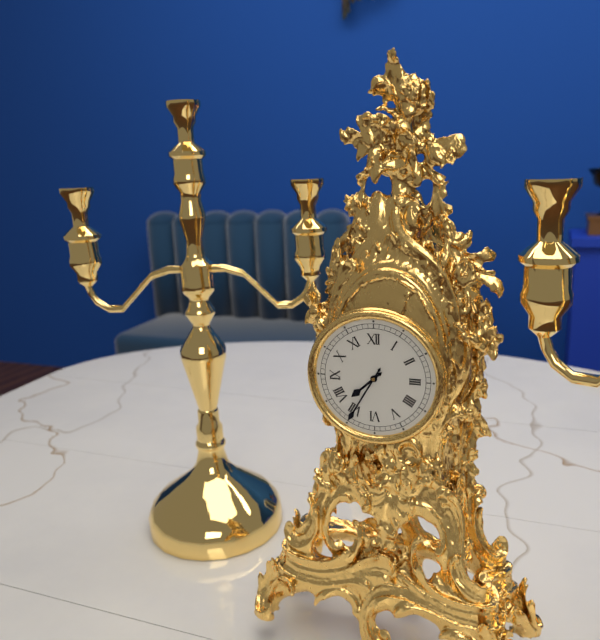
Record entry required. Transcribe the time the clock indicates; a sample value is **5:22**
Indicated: **7:35**
